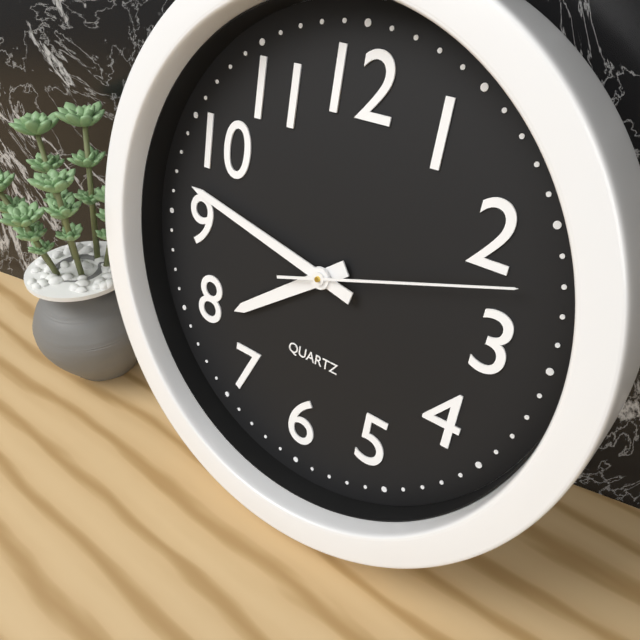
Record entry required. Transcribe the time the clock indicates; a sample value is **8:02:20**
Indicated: **7:47:12**
